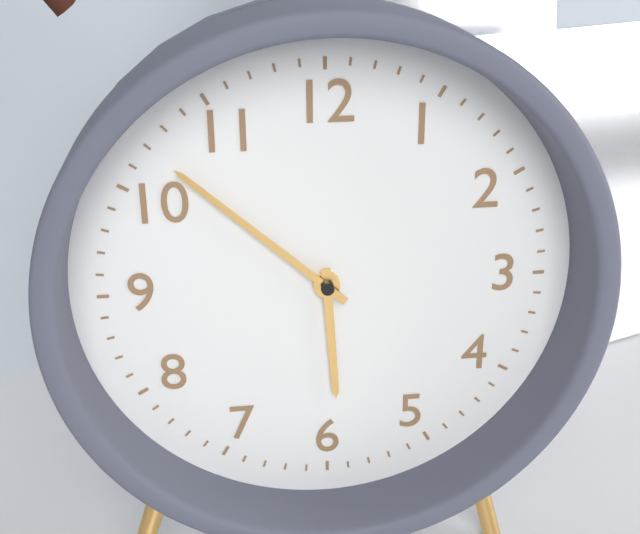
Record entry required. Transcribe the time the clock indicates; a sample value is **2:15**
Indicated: **5:52**
